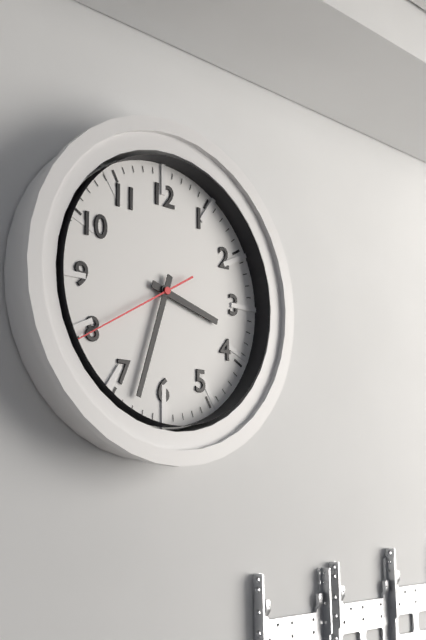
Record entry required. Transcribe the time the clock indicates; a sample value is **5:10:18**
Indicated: **3:33:40**
